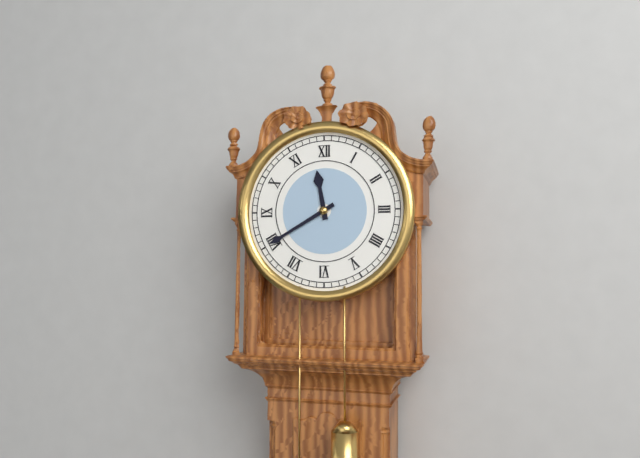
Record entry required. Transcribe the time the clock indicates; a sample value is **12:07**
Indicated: **11:40**
